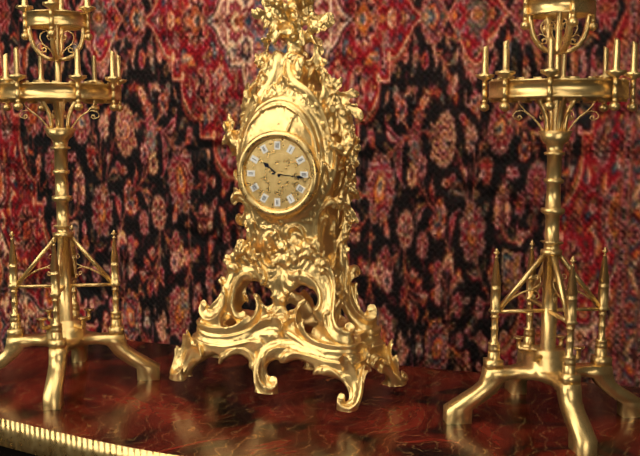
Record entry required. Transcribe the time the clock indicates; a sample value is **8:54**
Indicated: **10:16**
